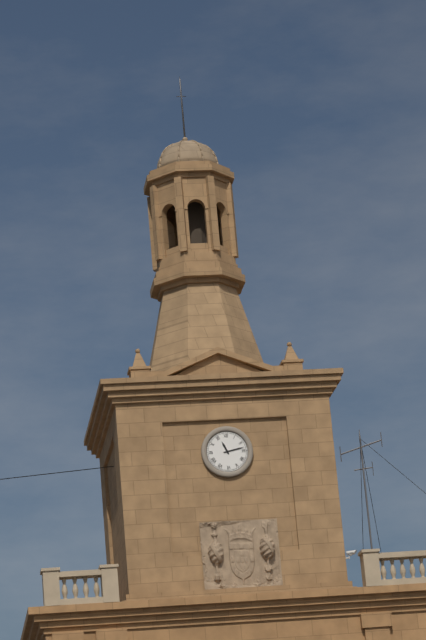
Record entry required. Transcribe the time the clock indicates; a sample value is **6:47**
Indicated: **11:13**
